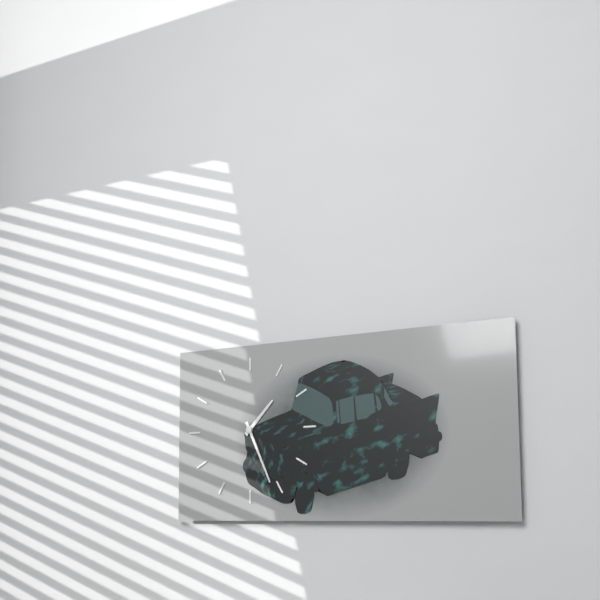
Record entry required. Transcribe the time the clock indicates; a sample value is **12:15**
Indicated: **1:26**
